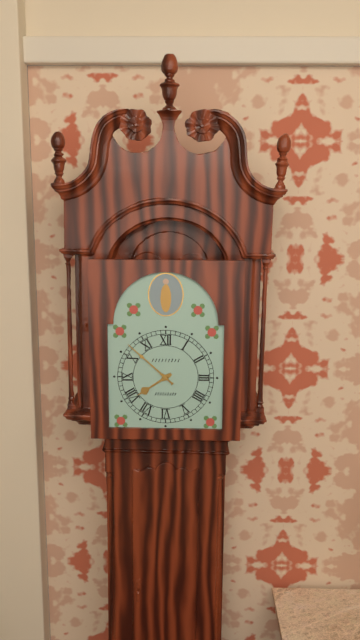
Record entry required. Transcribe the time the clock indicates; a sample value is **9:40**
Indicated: **7:52**
